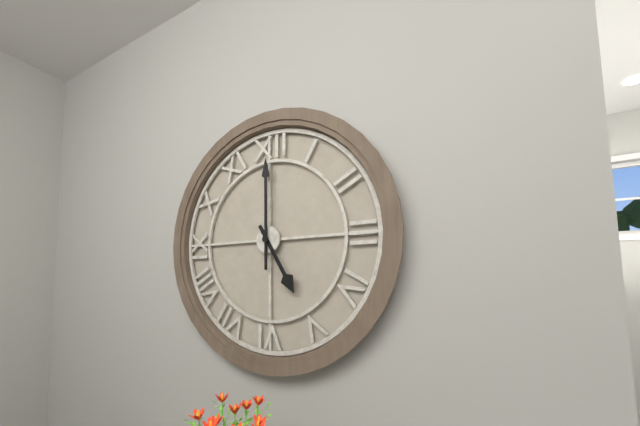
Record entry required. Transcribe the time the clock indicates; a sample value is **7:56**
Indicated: **5:00**
